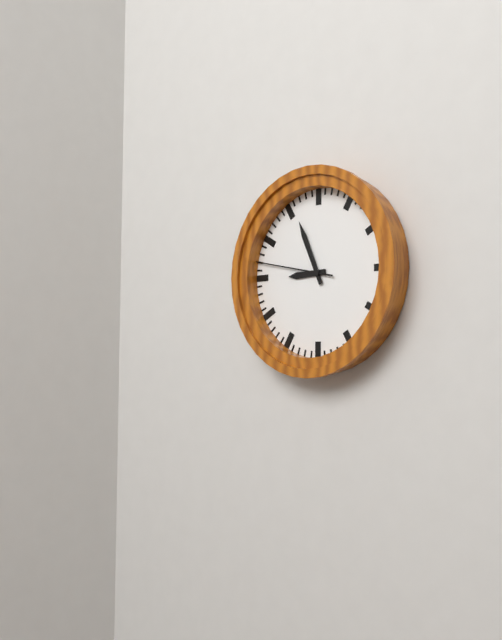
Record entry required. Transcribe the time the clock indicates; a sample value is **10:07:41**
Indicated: **8:56:47**
